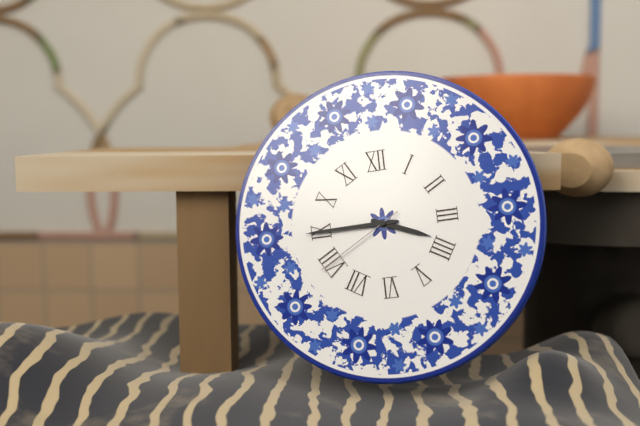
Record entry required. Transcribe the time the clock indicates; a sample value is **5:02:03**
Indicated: **3:45:40**
